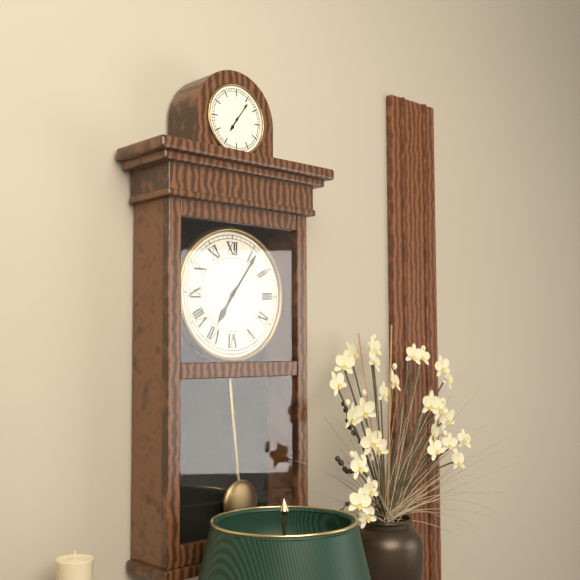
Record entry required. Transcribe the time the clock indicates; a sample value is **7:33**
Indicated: **7:06**
